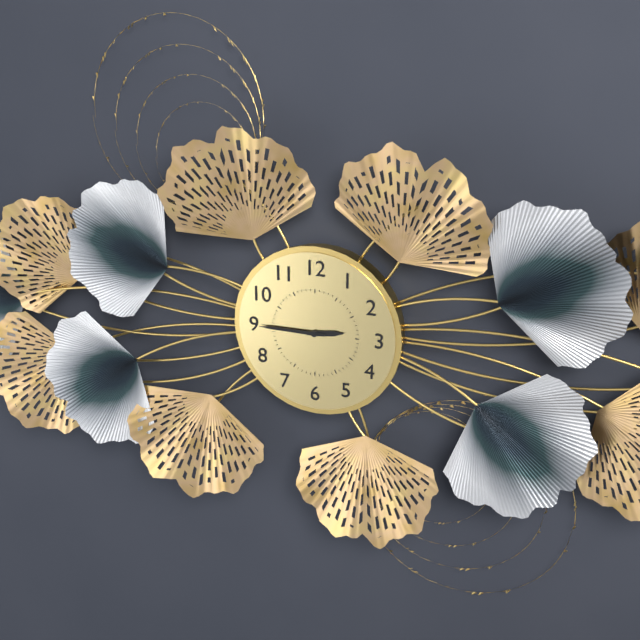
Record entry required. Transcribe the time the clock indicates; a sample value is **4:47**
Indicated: **2:45**
